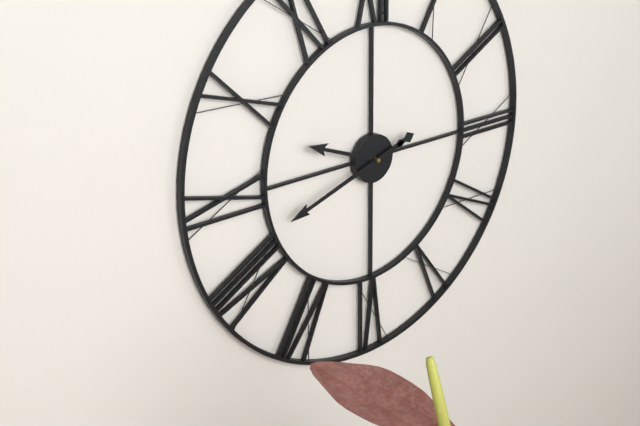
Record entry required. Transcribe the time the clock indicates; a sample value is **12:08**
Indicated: **9:42**
